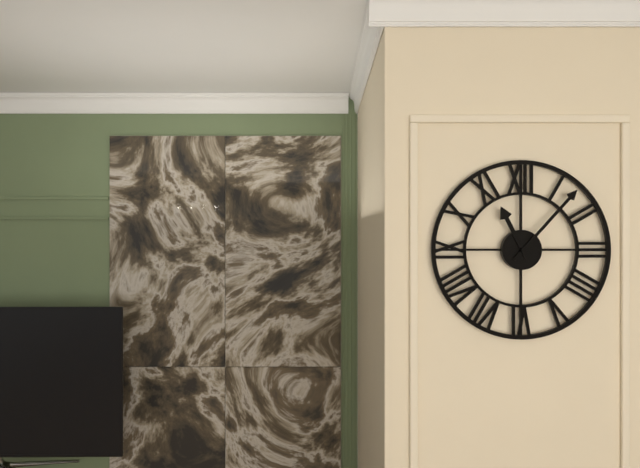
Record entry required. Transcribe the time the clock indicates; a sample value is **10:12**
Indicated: **11:07**
